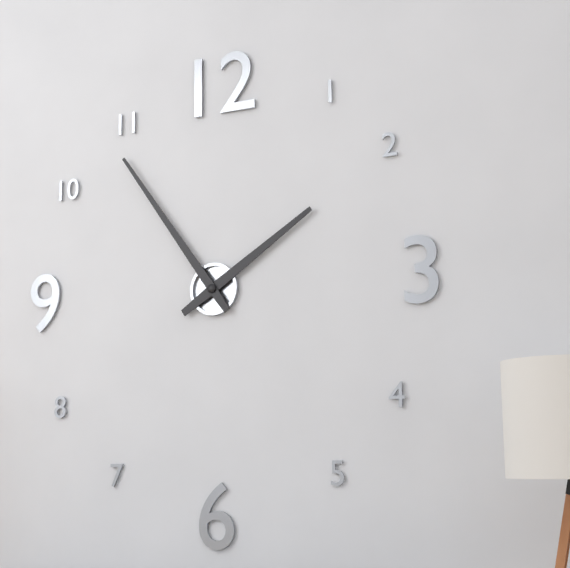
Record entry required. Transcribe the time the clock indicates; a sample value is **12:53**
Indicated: **1:54**
